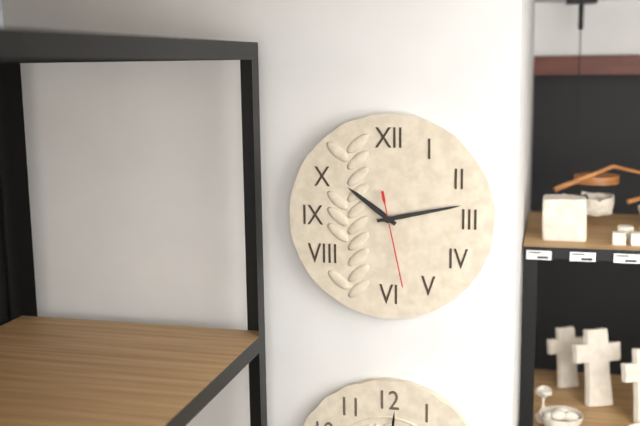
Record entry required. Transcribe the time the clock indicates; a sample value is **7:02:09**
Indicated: **10:13:28**
